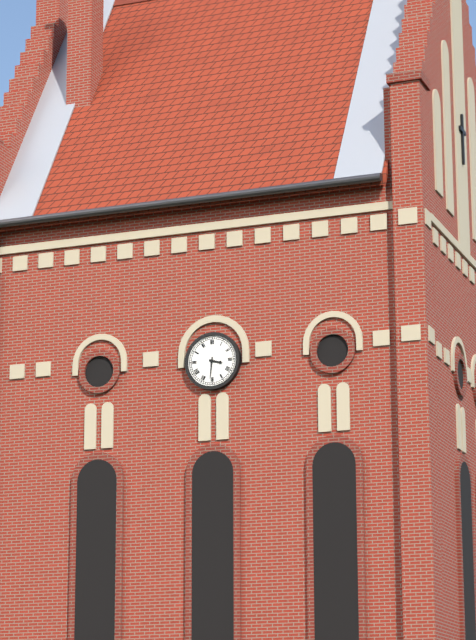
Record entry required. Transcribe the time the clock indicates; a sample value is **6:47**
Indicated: **3:31**
